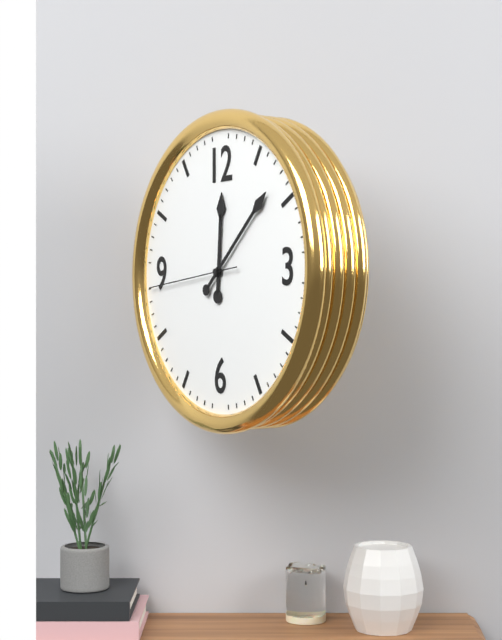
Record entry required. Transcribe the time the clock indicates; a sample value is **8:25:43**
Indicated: **12:08:44**
